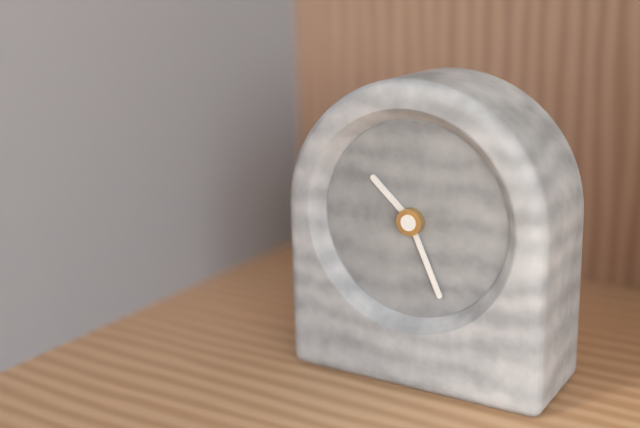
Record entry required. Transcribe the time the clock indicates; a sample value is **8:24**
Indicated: **10:26**
